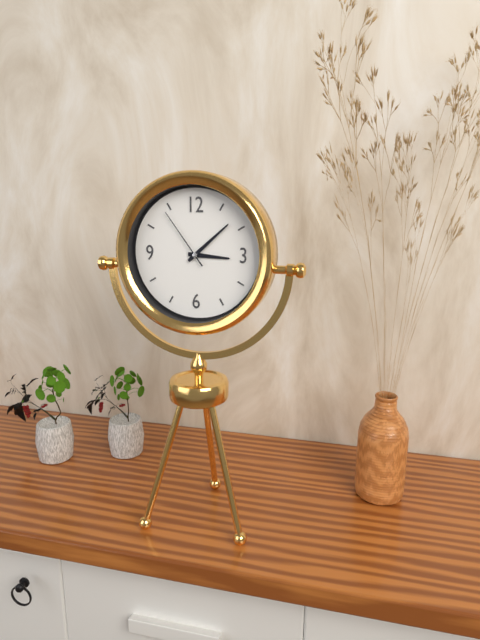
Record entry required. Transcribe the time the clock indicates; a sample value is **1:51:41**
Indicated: **3:08:54**
